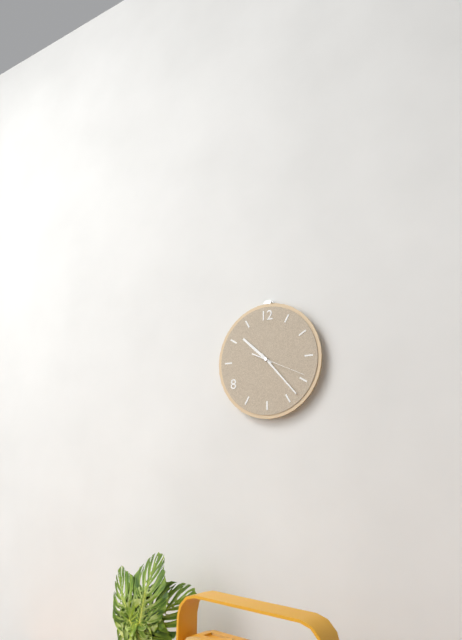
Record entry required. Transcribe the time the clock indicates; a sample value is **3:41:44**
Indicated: **10:23:19**
